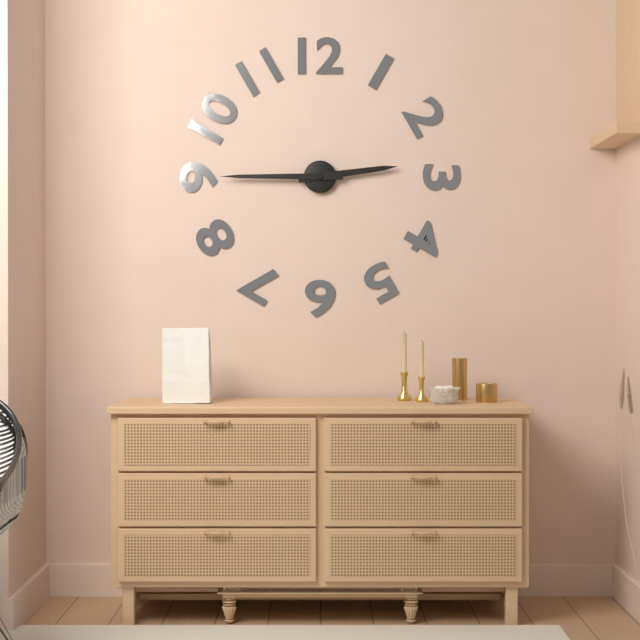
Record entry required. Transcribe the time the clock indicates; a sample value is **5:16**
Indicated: **2:45**
